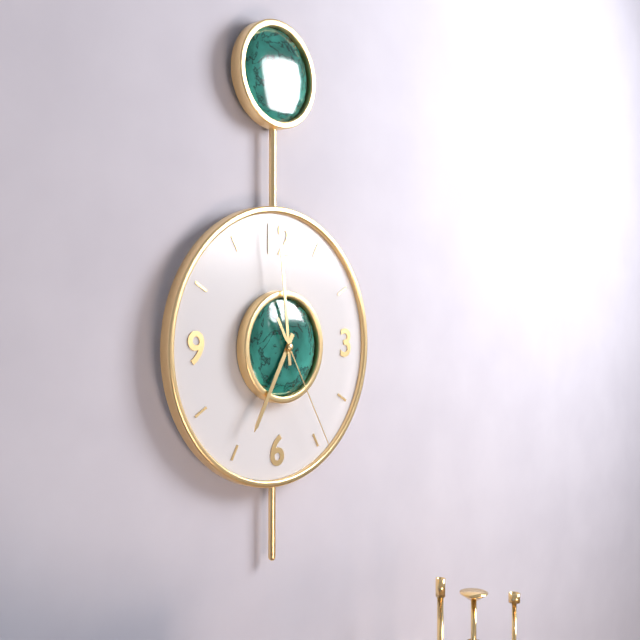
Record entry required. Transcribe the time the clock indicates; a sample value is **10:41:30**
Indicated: **6:59:25**
